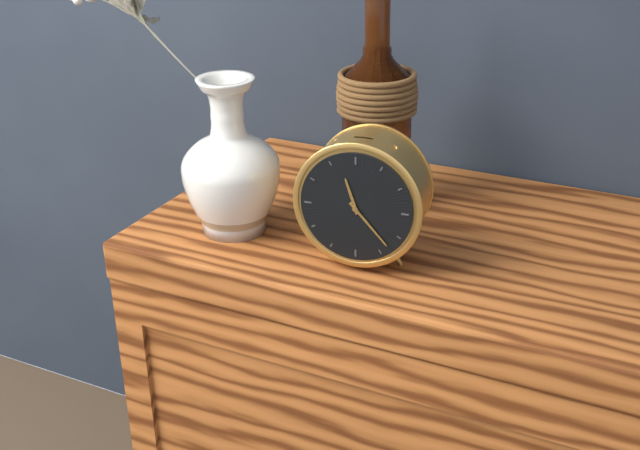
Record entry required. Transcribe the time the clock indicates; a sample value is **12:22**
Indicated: **11:23**
